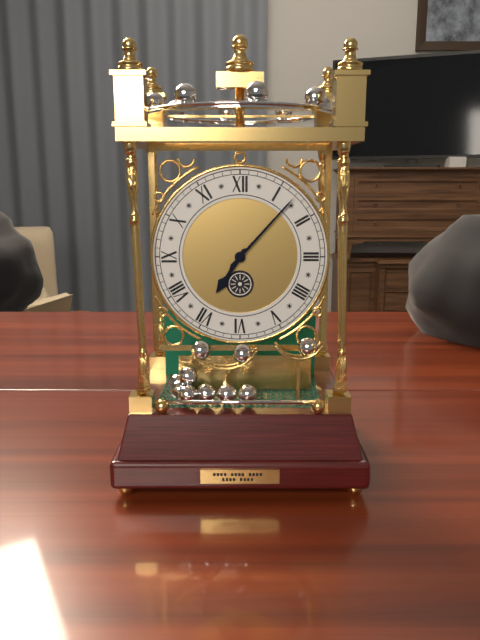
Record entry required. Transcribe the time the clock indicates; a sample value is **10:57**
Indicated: **7:07**
